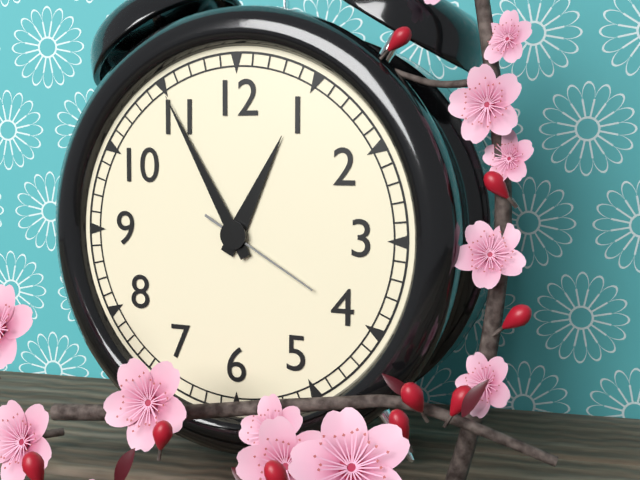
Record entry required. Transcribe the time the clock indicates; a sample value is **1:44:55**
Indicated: **12:55:20**
